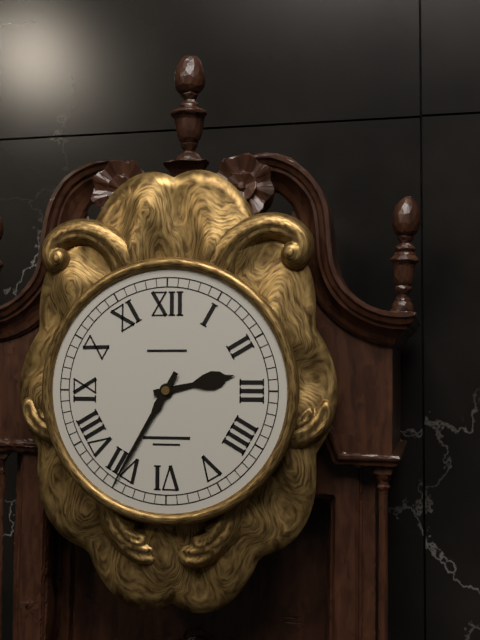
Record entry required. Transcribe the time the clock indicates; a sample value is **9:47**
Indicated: **2:35**
